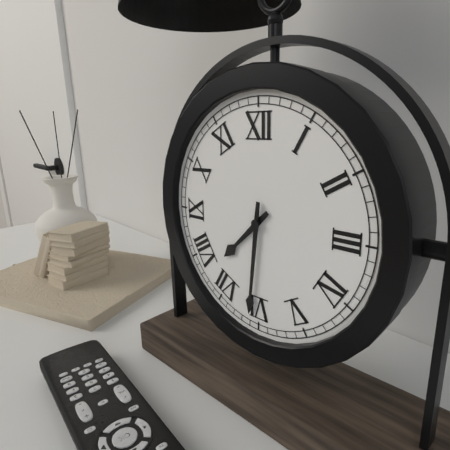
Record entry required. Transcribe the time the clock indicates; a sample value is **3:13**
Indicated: **7:31**
